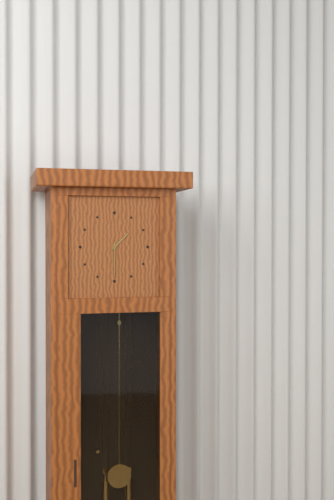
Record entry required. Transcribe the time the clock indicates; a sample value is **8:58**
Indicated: **1:30**
